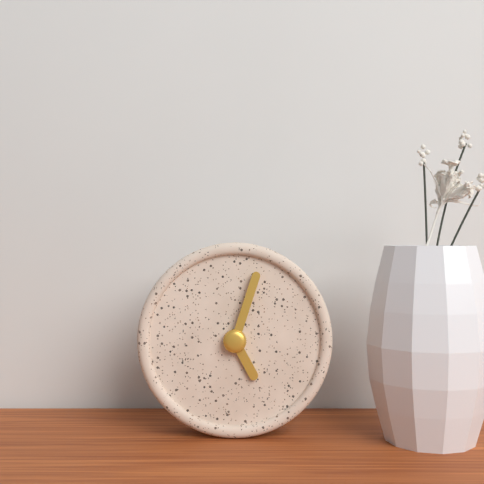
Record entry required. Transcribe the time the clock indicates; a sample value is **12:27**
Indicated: **5:03**
